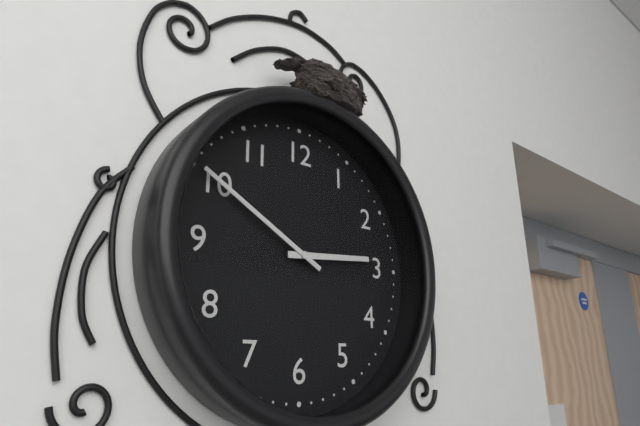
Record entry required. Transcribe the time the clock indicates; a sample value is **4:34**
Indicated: **2:50**
